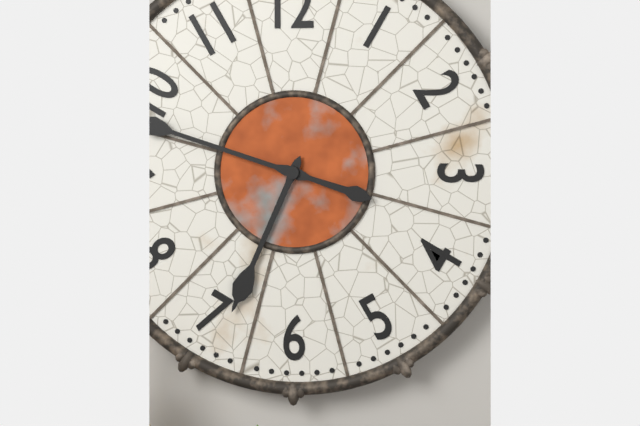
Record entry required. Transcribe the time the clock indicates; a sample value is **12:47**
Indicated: **6:48**
